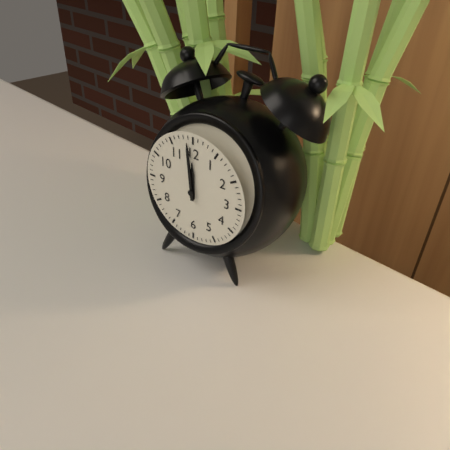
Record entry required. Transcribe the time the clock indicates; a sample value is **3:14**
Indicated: **11:59**
